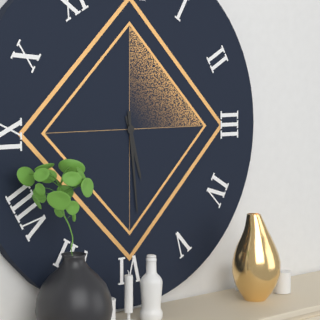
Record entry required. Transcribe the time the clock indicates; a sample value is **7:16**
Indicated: **5:29**
